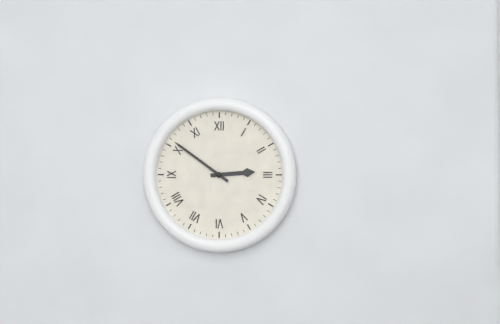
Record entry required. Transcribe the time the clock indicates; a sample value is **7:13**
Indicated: **2:51**
